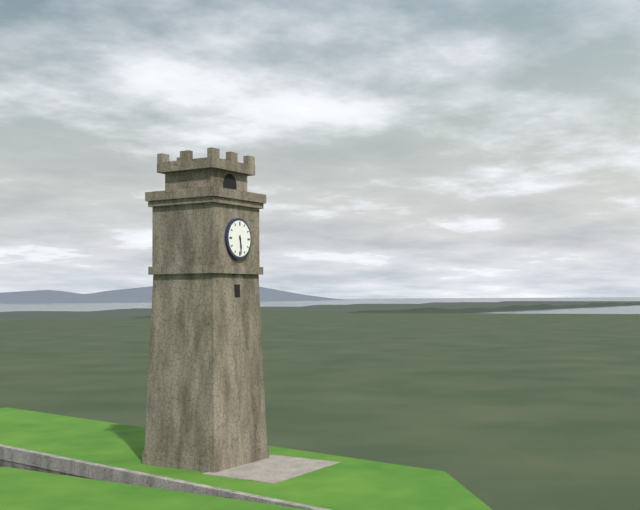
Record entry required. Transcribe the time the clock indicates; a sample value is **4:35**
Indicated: **5:29**
